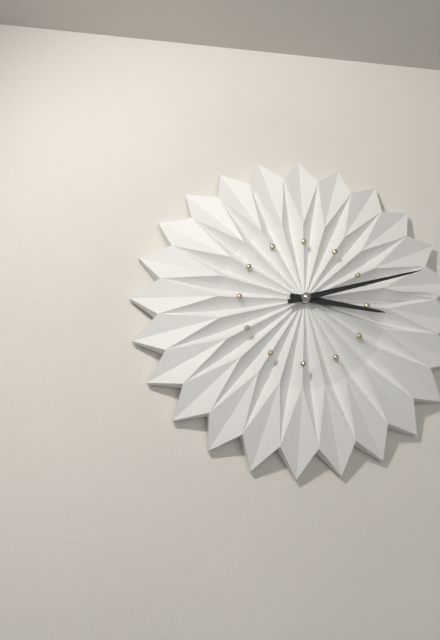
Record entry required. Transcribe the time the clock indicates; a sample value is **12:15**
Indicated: **3:12**
